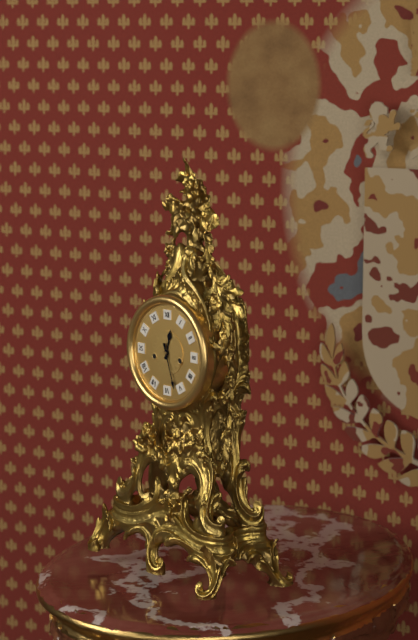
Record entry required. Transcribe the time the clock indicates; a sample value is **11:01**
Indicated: **12:27**
